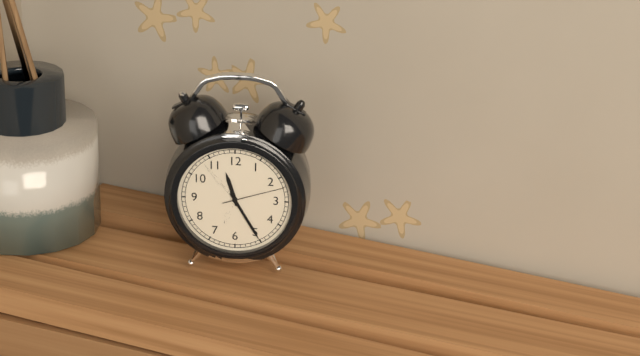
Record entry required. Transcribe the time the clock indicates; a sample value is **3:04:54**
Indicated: **11:25:12**
